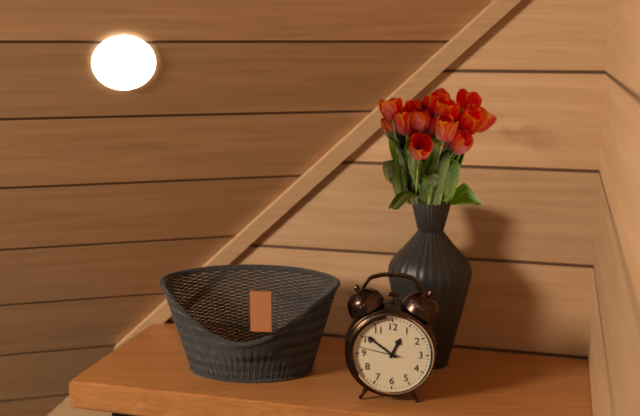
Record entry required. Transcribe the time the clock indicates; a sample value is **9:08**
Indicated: **12:51**
